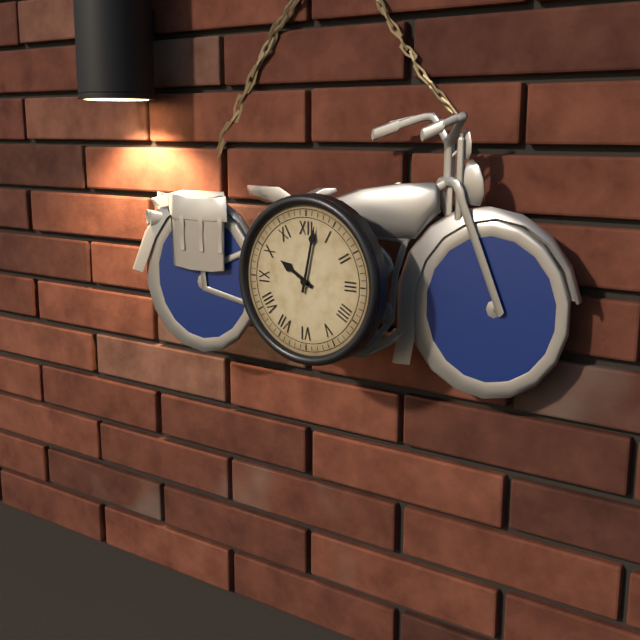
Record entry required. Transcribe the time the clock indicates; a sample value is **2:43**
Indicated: **10:02**
